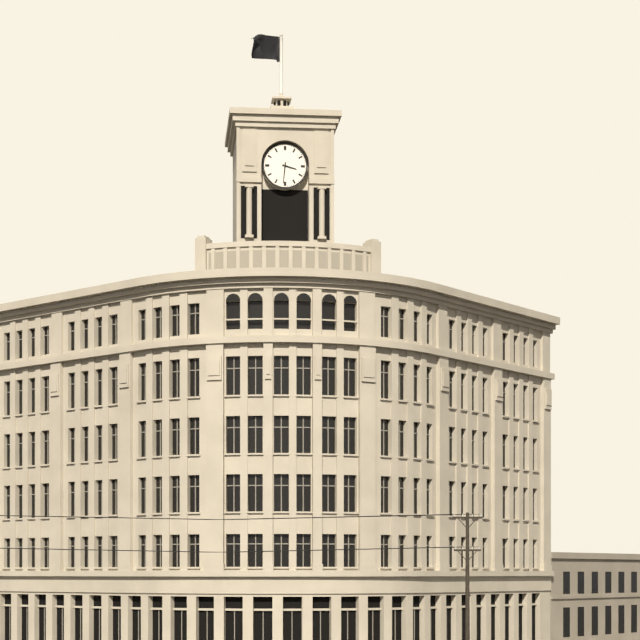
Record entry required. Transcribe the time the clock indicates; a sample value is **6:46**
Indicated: **3:31**
